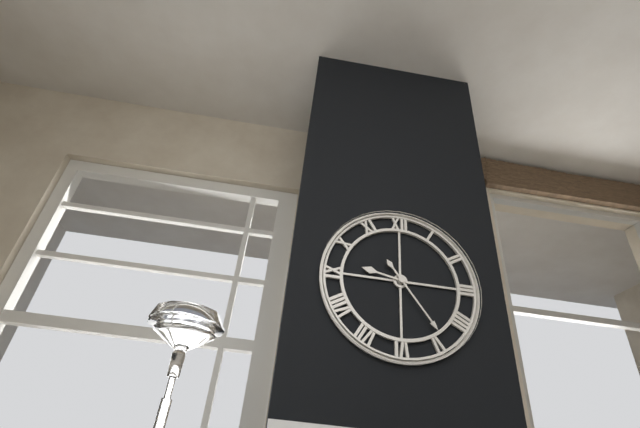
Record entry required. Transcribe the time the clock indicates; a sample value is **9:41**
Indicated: **9:24**
